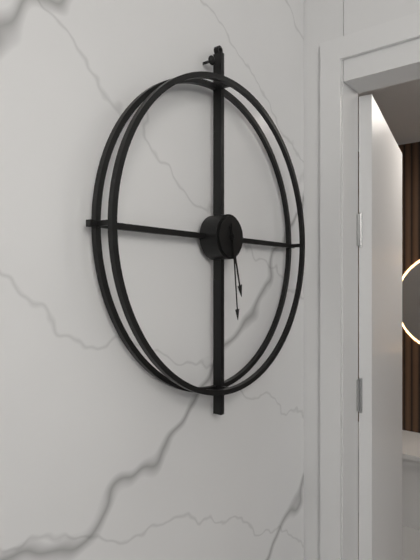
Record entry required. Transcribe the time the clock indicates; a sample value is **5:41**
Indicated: **5:29**
